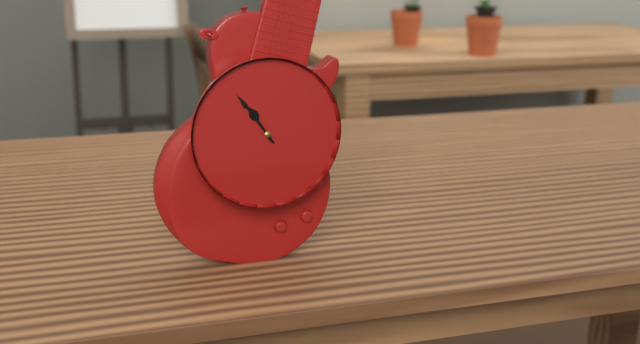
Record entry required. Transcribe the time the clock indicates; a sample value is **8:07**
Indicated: **10:54**
